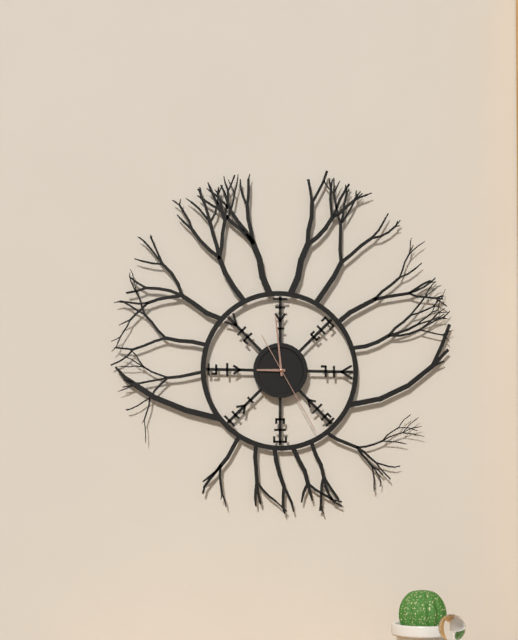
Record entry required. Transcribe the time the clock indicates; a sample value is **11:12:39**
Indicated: **8:59:25**
